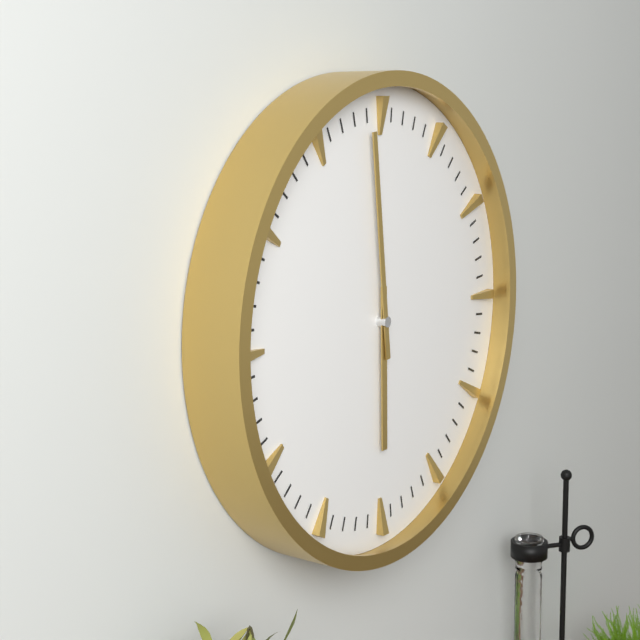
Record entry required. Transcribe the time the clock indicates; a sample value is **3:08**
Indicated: **5:59**
